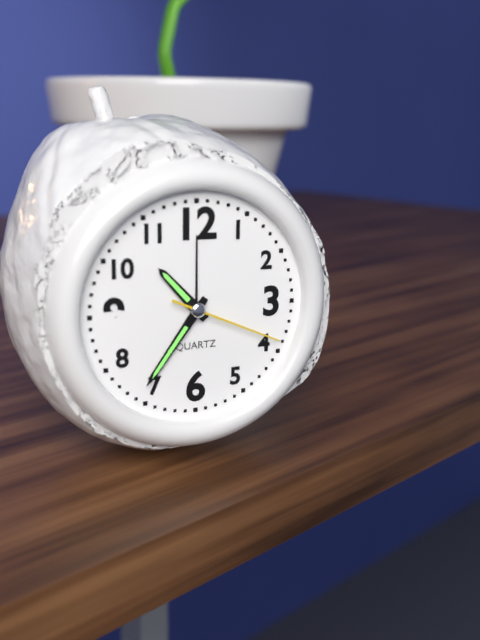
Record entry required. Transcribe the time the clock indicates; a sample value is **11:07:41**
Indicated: **10:36:19**
